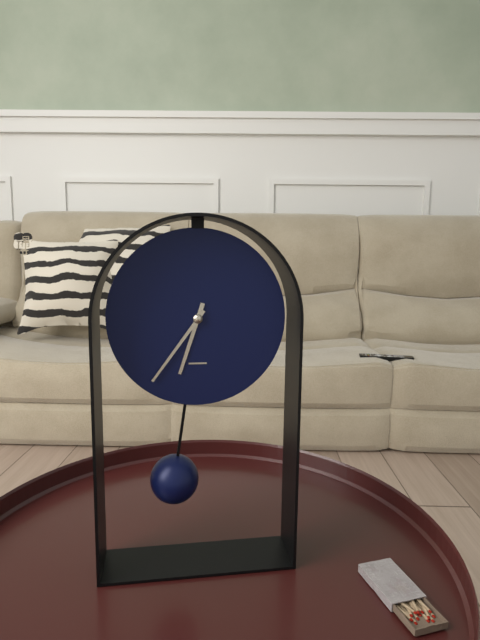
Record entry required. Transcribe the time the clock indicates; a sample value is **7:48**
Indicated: **6:36**
